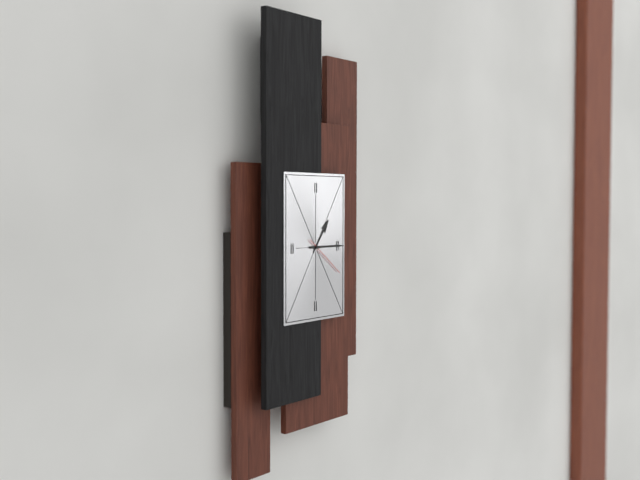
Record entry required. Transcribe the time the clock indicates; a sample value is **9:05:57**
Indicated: **1:15:21**
